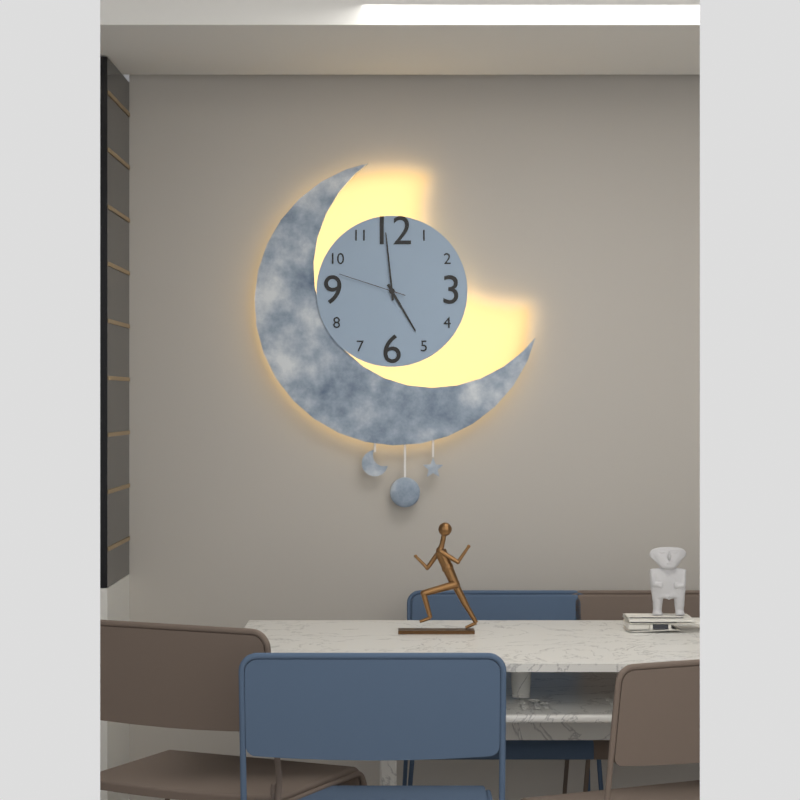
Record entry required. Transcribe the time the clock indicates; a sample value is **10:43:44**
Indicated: **4:59:48**
